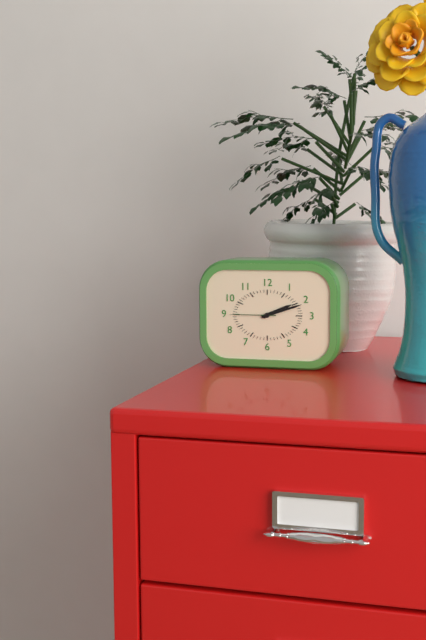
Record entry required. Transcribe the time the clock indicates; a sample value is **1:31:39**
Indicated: **2:12:45**
